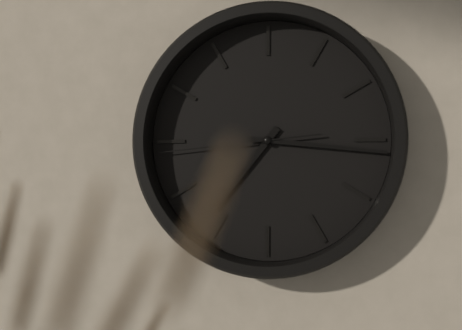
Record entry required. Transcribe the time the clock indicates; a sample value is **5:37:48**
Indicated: **7:16:44**
